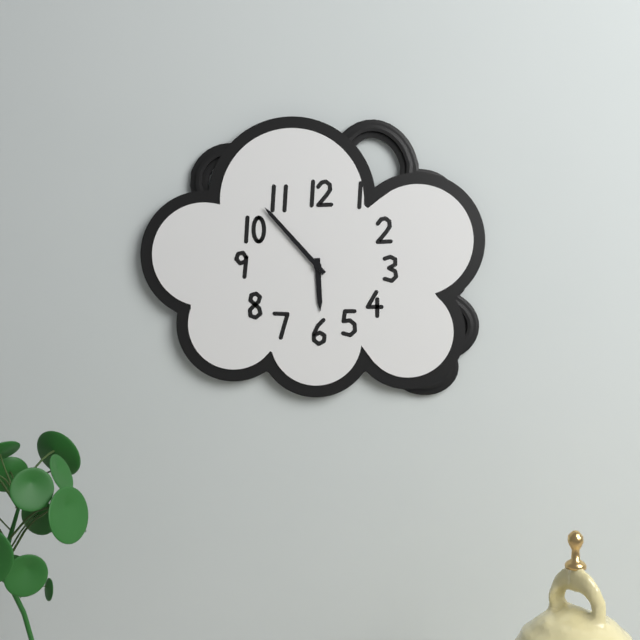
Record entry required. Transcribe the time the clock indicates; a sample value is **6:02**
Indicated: **5:53**
